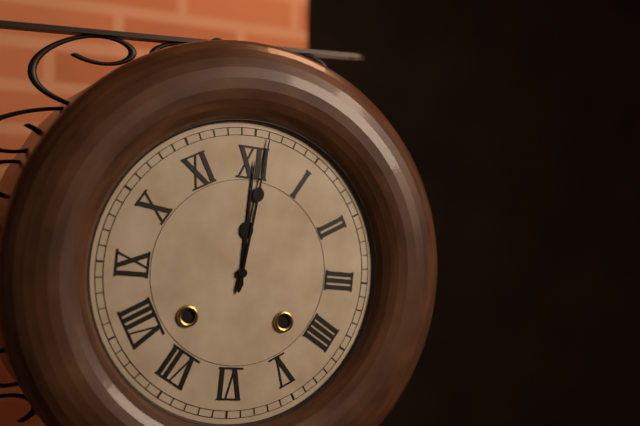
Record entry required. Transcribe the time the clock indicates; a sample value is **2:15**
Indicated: **12:01**
